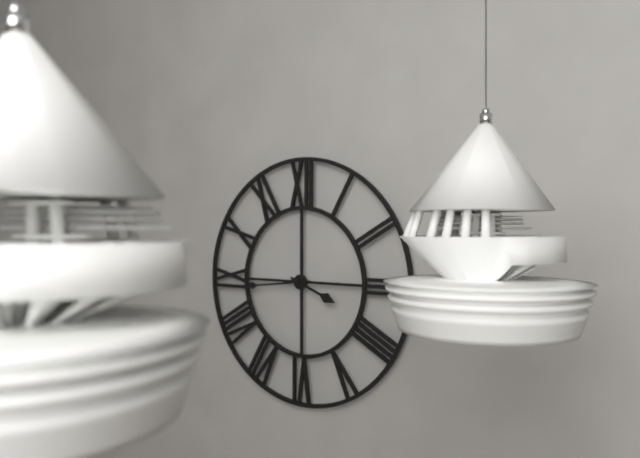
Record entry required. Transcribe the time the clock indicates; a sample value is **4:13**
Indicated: **3:44**
